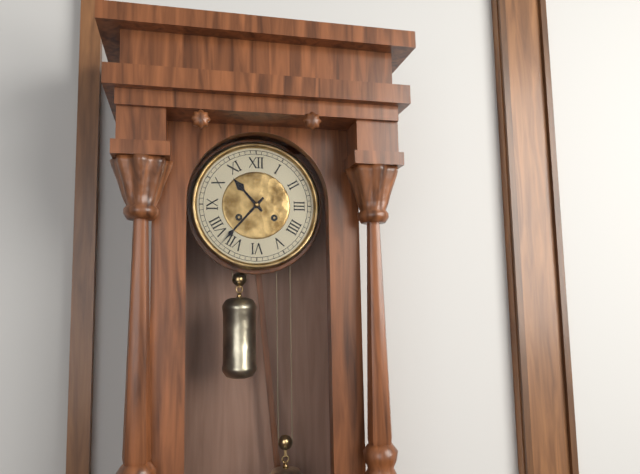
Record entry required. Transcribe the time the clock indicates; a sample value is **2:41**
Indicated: **10:37**
